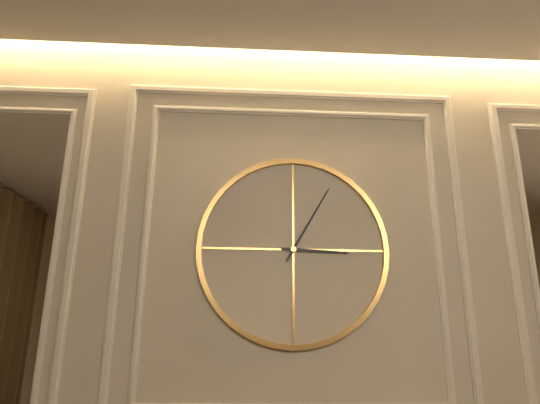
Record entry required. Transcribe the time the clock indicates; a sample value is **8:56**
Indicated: **3:05**
